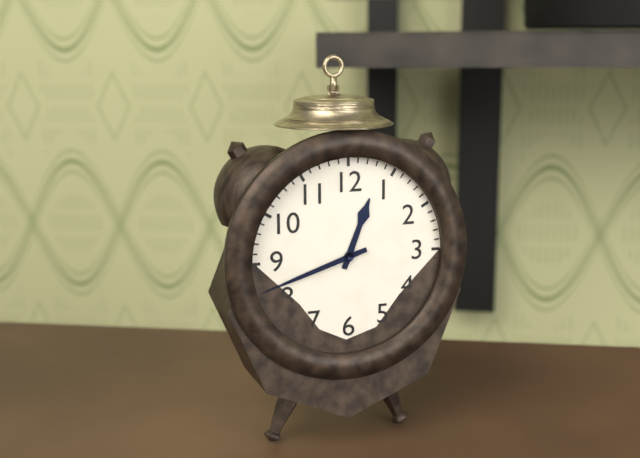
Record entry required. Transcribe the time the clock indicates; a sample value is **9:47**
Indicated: **12:42**
